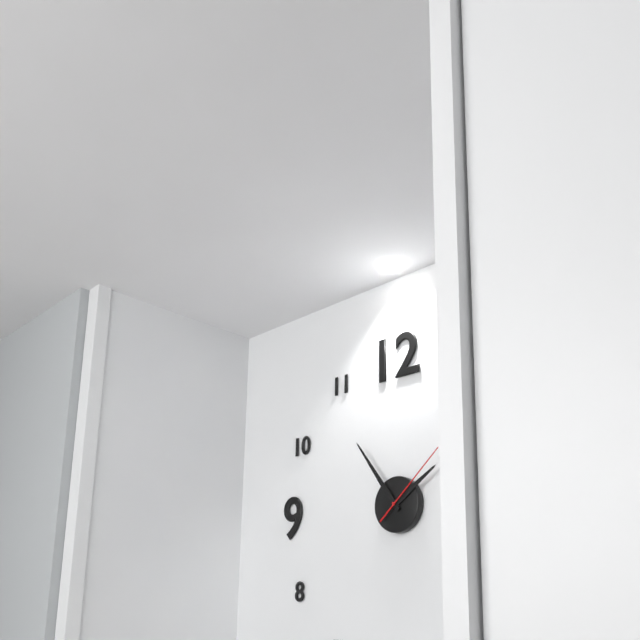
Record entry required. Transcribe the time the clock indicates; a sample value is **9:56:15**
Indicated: **1:54:08**
